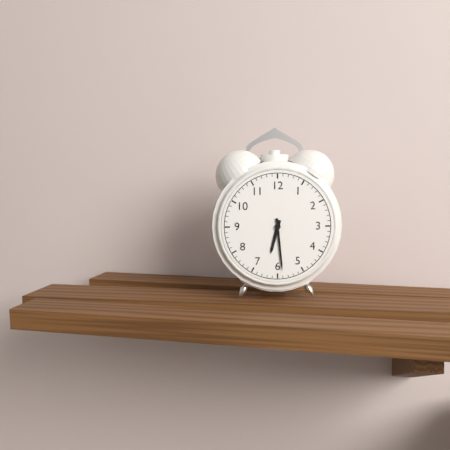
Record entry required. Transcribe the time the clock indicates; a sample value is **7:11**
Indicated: **6:29**
